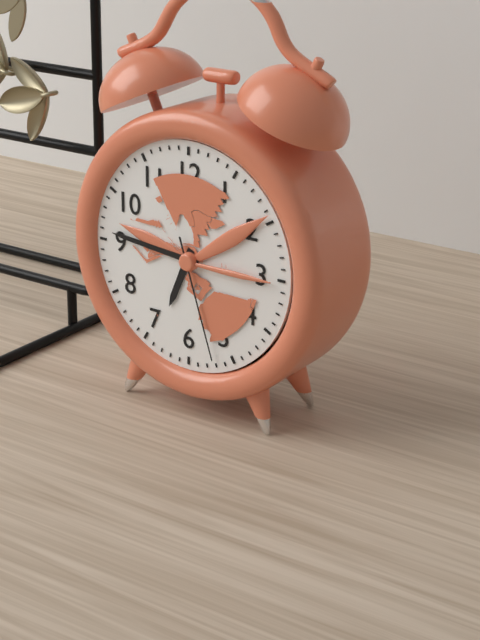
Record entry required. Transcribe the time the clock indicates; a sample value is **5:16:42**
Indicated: **6:46:27**
